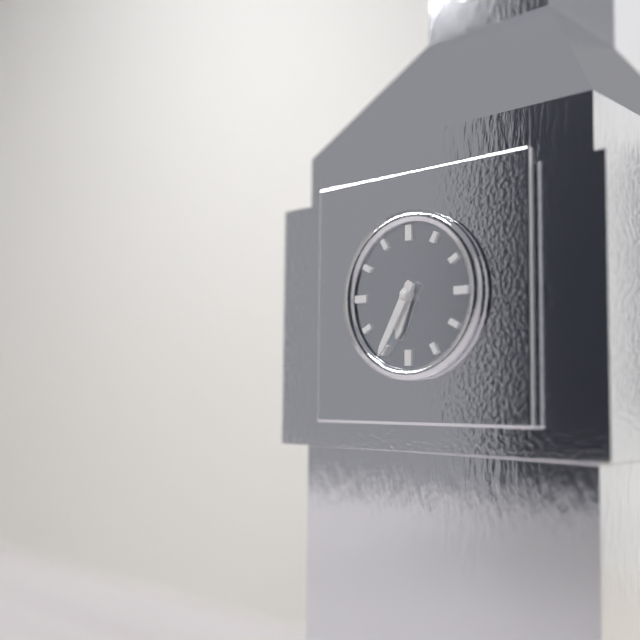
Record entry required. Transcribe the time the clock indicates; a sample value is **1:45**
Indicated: **6:35**
